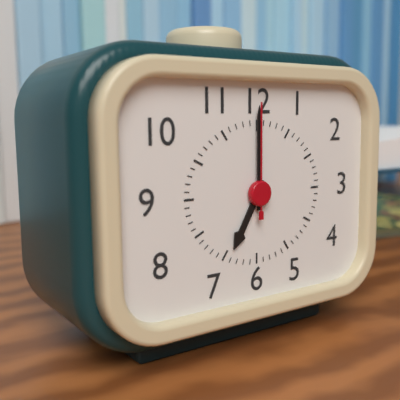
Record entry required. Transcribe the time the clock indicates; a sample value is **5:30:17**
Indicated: **7:00:00**
